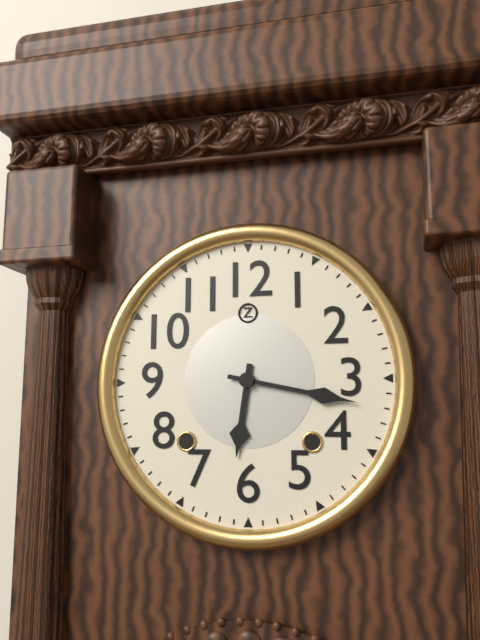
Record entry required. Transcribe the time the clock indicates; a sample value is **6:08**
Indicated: **6:17**
